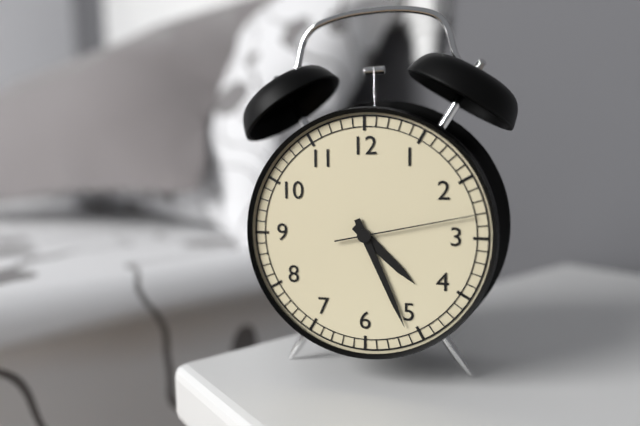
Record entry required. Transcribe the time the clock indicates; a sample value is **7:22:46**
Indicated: **4:26:13**
